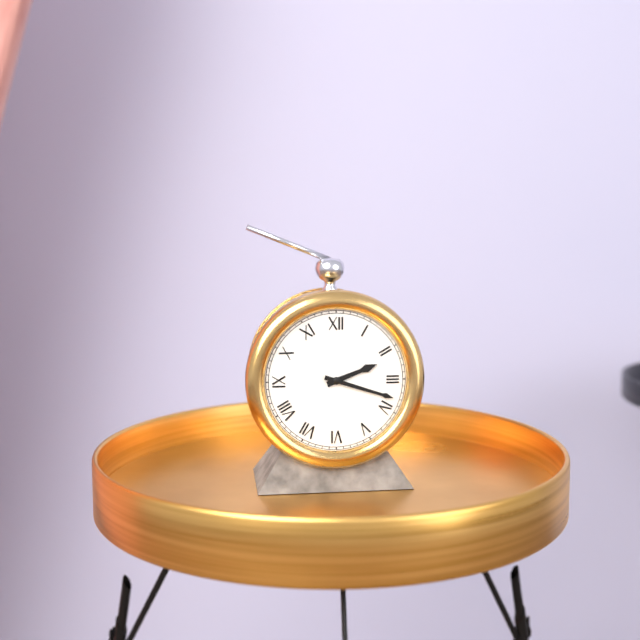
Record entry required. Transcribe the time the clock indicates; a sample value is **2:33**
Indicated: **2:18**
